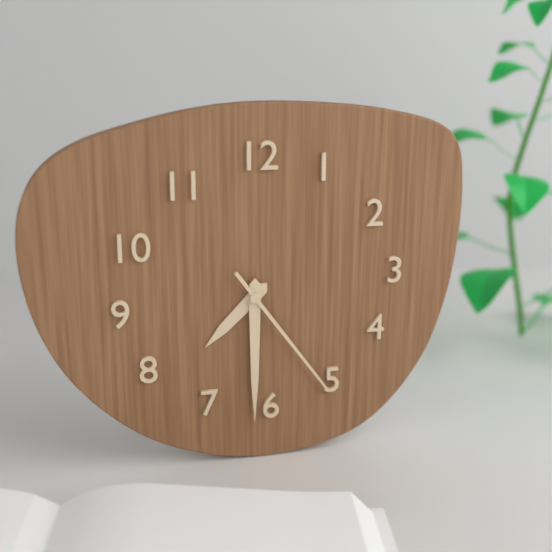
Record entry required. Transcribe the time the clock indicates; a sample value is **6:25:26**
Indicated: **7:30:24**
